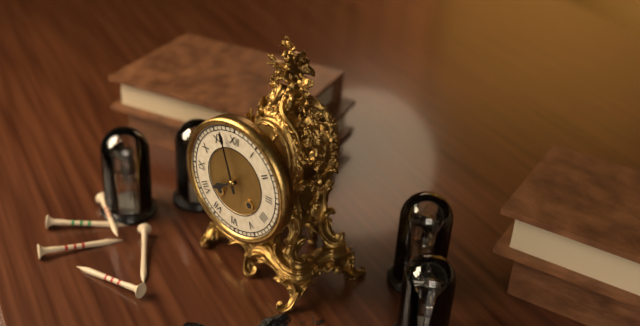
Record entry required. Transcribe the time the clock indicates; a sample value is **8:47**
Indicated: **7:57**
